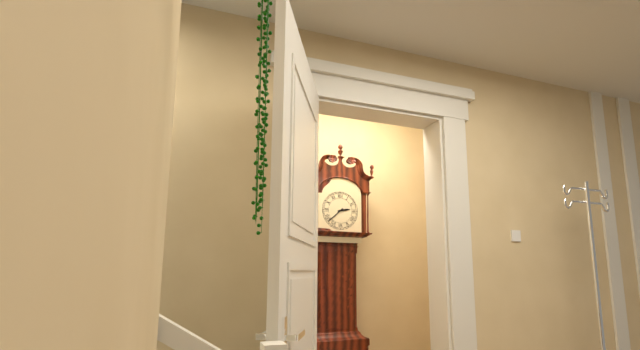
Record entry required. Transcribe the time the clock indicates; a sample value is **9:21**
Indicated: **2:38**
